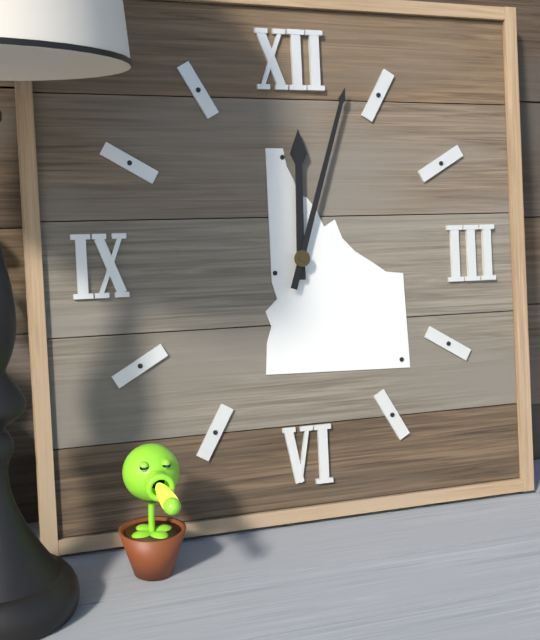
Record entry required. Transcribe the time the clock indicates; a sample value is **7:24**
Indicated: **12:03**
